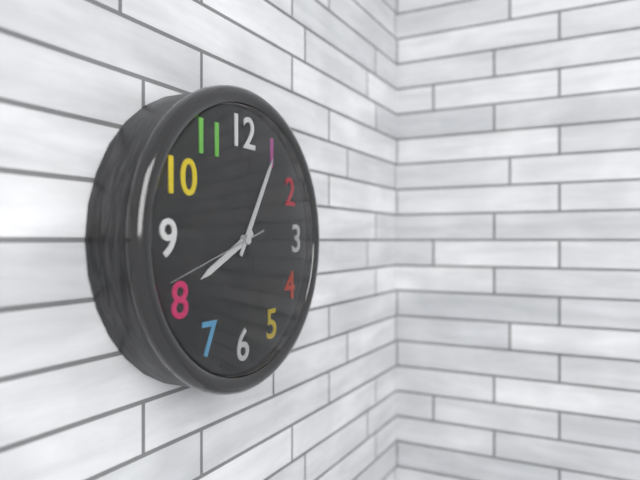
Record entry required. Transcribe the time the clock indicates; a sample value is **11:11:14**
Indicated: **8:05:42**
